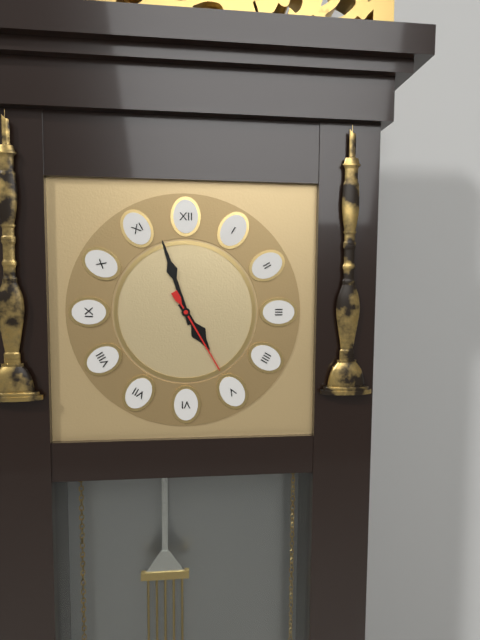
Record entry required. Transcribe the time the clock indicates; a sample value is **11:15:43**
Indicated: **4:57:25**
